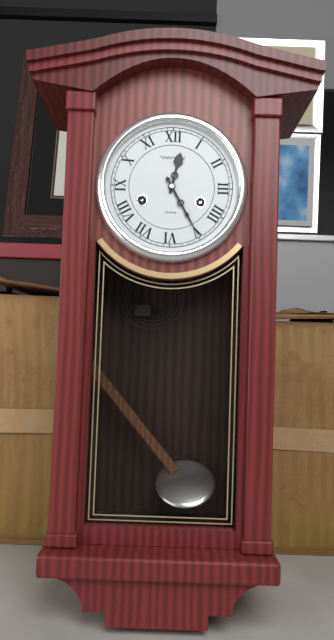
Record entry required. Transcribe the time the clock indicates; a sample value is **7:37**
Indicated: **12:25**
